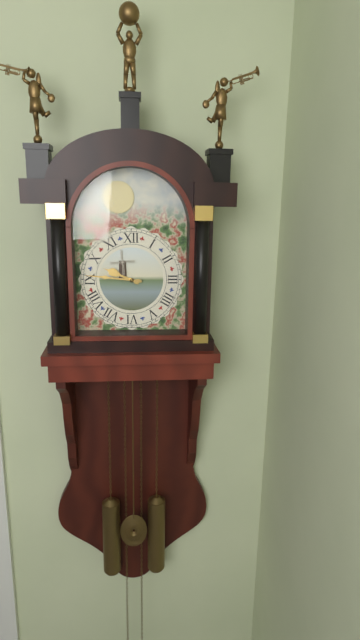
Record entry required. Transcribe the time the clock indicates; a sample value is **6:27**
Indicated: **9:46**
